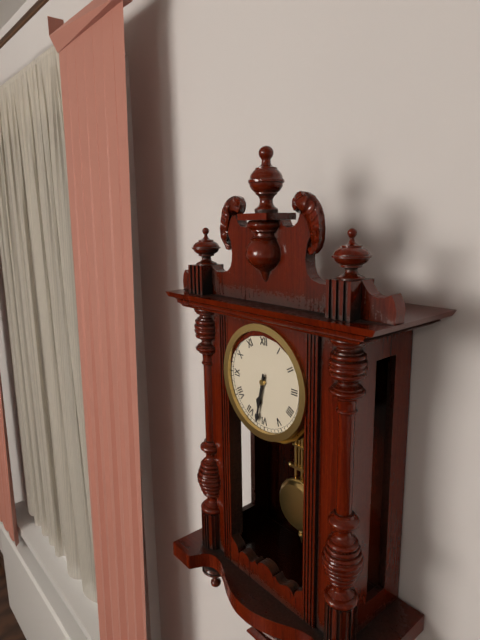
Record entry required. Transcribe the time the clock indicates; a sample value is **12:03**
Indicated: **6:32**
